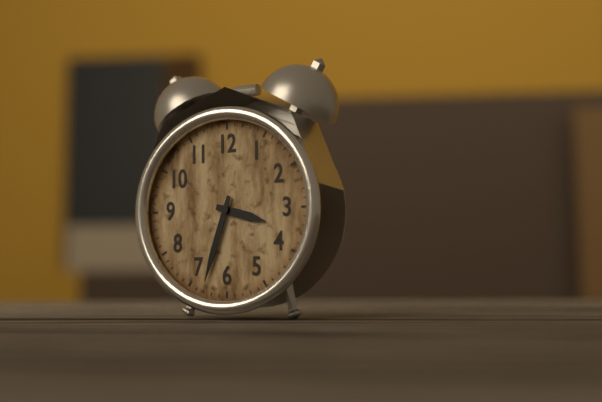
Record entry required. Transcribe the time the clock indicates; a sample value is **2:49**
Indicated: **3:33**
